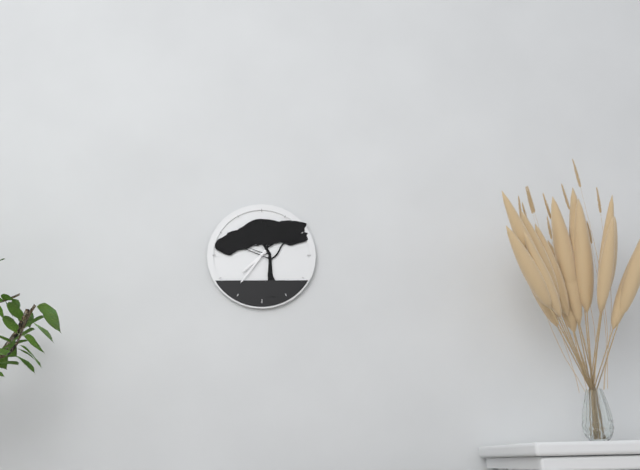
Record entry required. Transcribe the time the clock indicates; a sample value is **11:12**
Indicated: **7:36**
